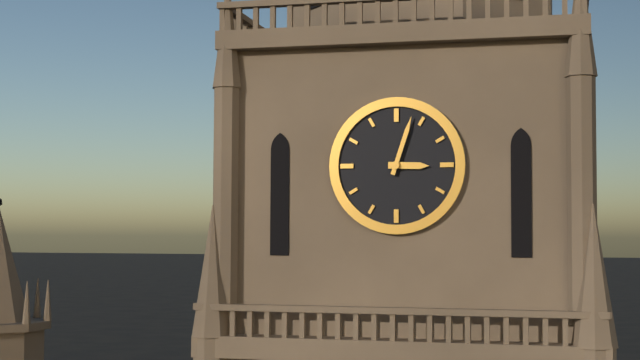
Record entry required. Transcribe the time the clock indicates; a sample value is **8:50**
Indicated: **3:03**
